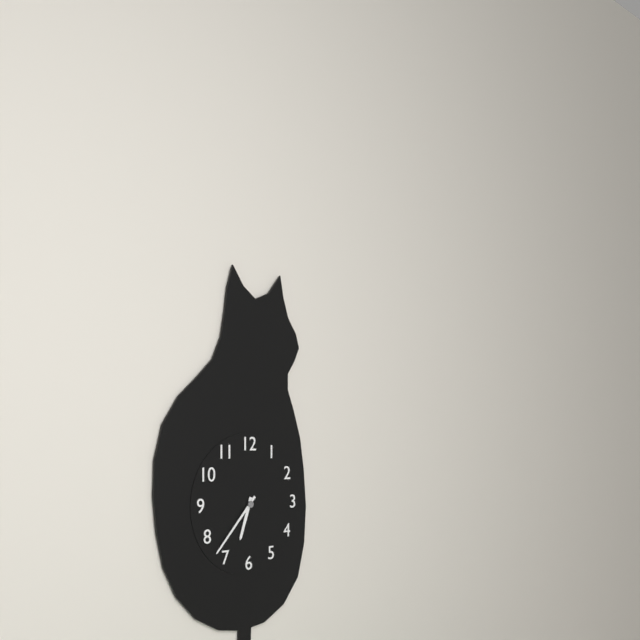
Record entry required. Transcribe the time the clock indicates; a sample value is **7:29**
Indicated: **6:37**
